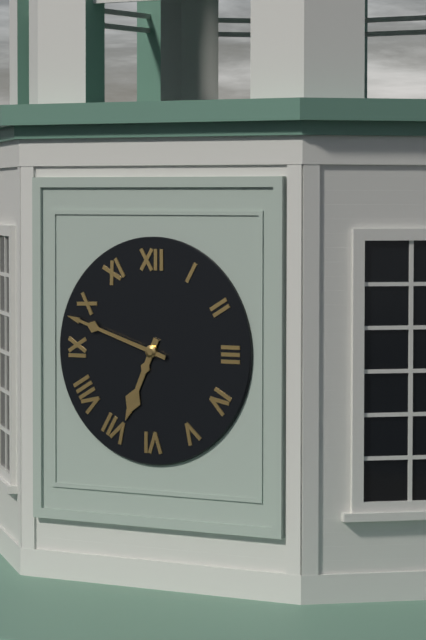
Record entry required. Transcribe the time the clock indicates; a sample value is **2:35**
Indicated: **6:48**
